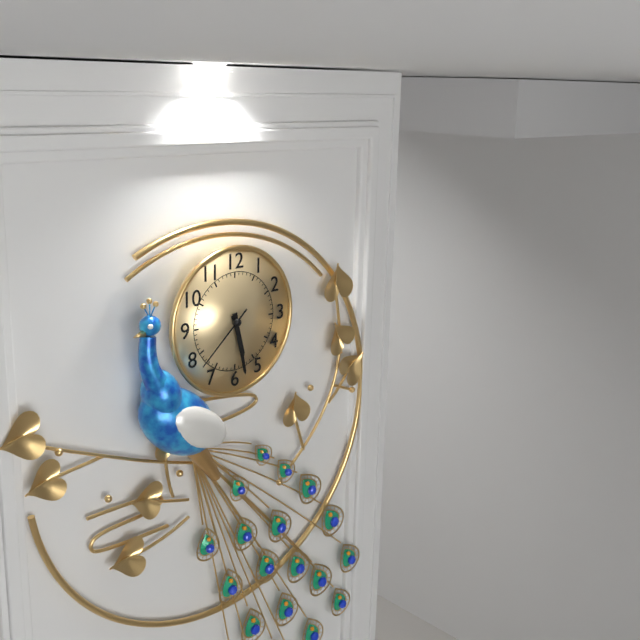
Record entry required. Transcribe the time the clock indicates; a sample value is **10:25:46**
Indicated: **5:28:38**
